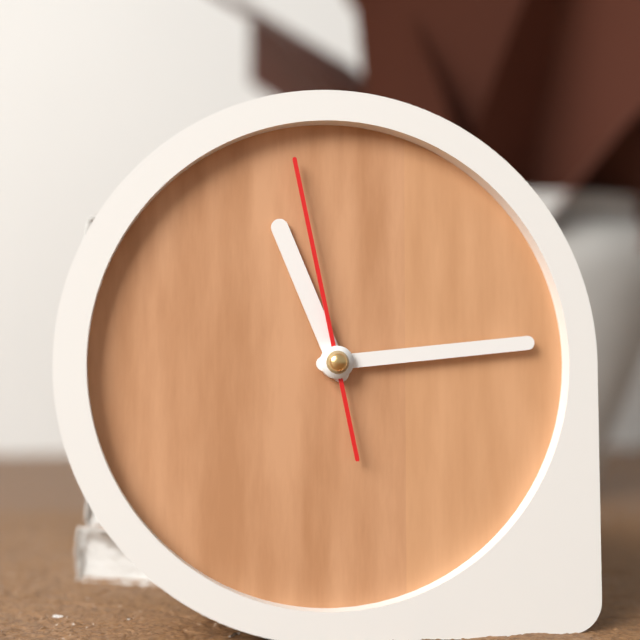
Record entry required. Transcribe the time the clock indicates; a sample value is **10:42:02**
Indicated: **11:14:58**
